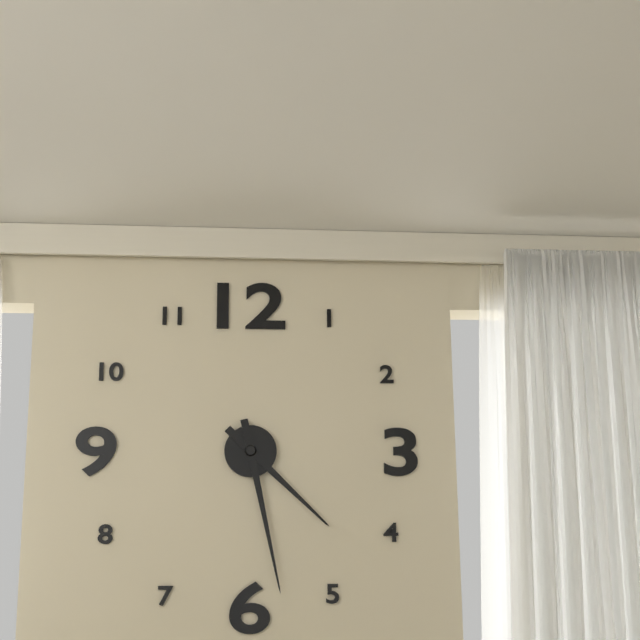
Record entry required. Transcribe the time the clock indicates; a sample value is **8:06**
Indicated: **4:28**
